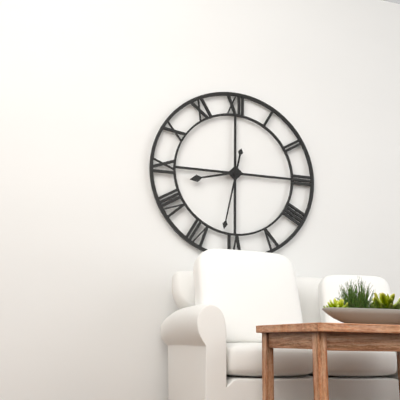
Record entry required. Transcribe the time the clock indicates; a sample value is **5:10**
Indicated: **8:32**
